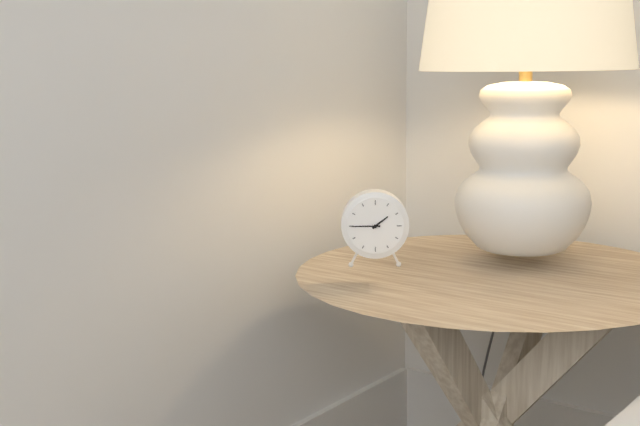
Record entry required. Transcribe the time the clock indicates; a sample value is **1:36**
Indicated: **1:45**
